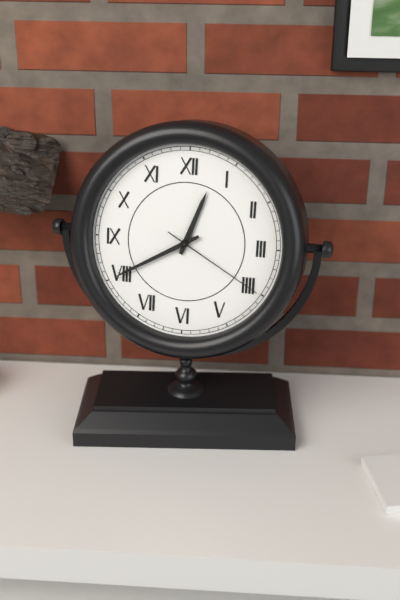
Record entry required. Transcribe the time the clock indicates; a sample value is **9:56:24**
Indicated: **12:40:20**
